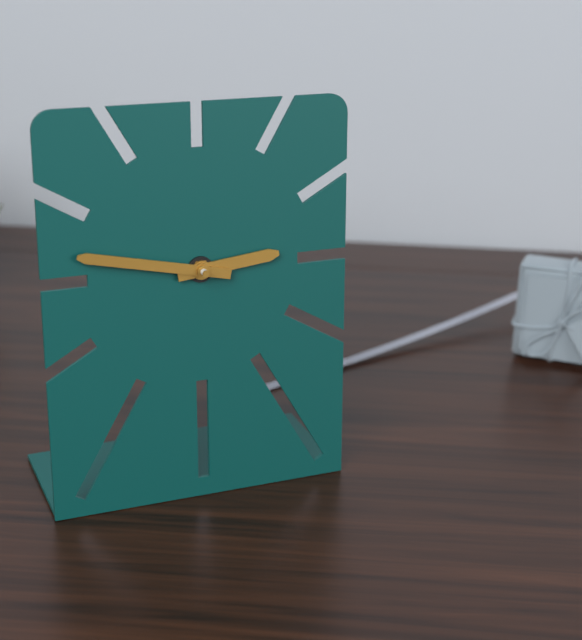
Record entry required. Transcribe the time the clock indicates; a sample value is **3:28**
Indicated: **2:47**
